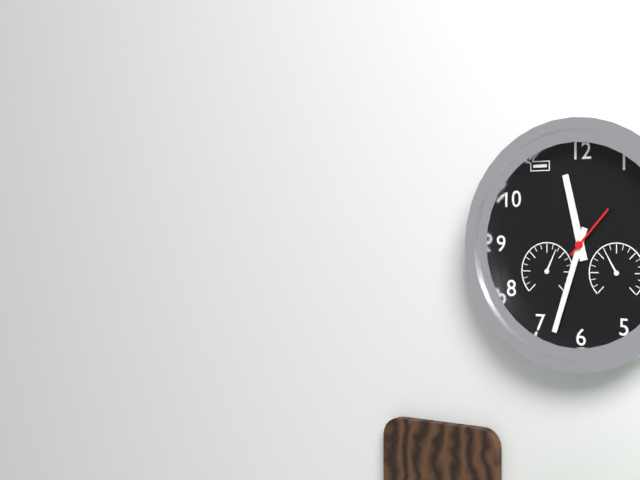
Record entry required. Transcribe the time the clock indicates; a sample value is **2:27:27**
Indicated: **11:33:07**
